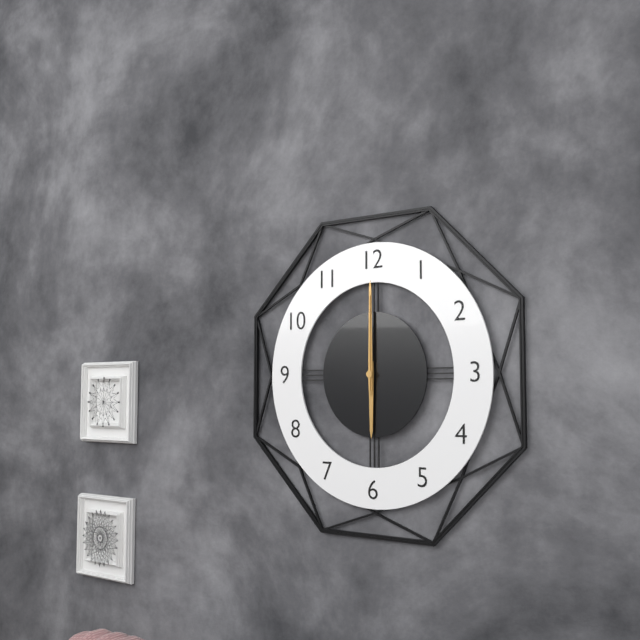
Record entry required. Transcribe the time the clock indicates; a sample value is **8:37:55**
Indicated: **6:00:00**
